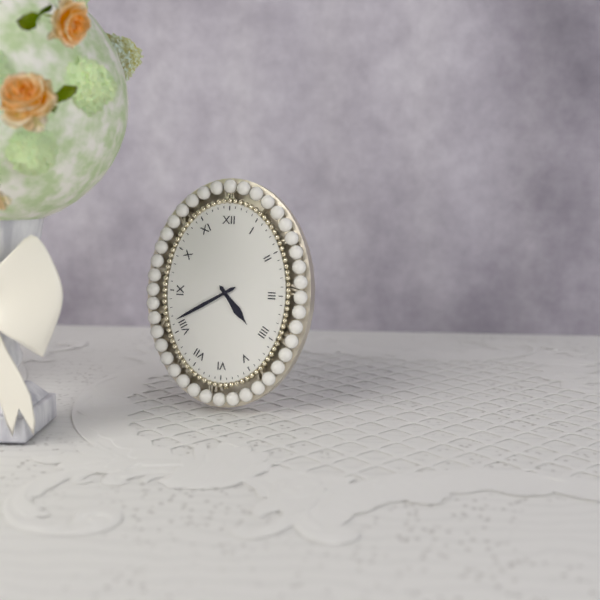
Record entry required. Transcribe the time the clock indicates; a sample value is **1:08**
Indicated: **4:40**
